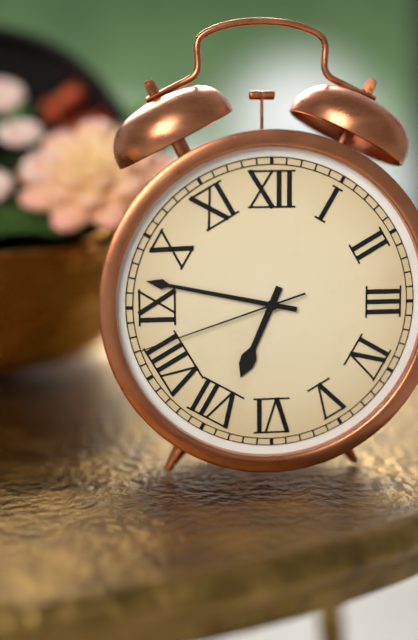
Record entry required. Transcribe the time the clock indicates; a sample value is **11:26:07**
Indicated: **6:47:42**
